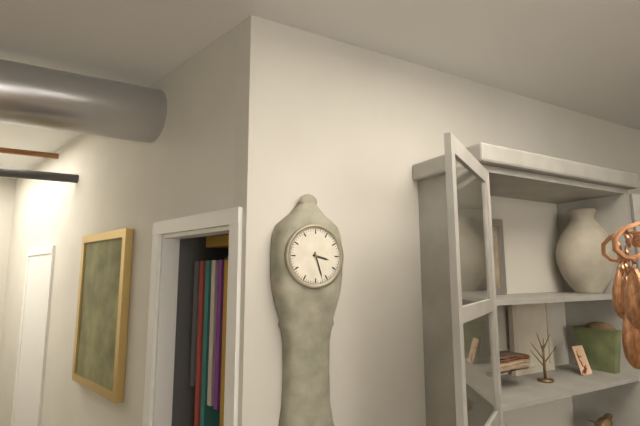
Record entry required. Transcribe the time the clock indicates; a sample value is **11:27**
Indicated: **3:27**
